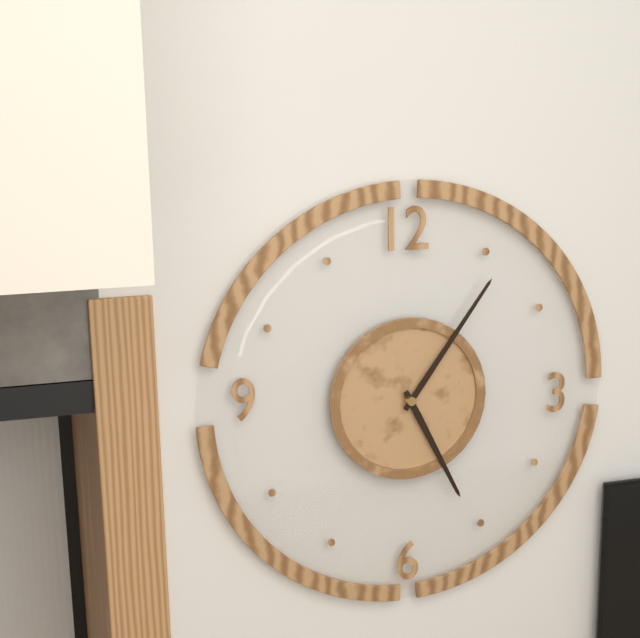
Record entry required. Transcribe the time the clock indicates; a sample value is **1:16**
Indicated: **5:06**
